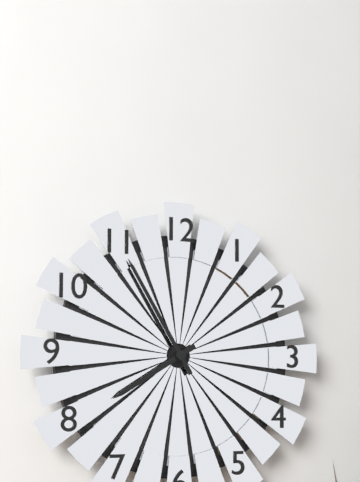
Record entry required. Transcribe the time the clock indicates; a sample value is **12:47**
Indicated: **7:55**
